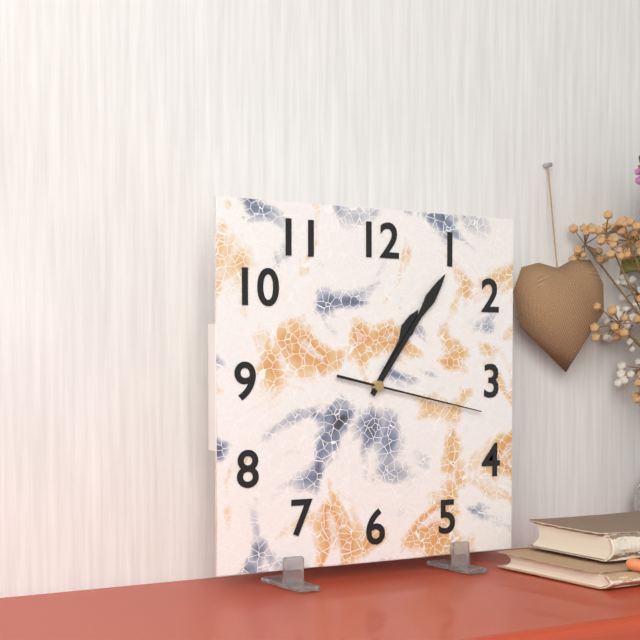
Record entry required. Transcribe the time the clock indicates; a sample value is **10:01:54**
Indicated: **1:06:17**
